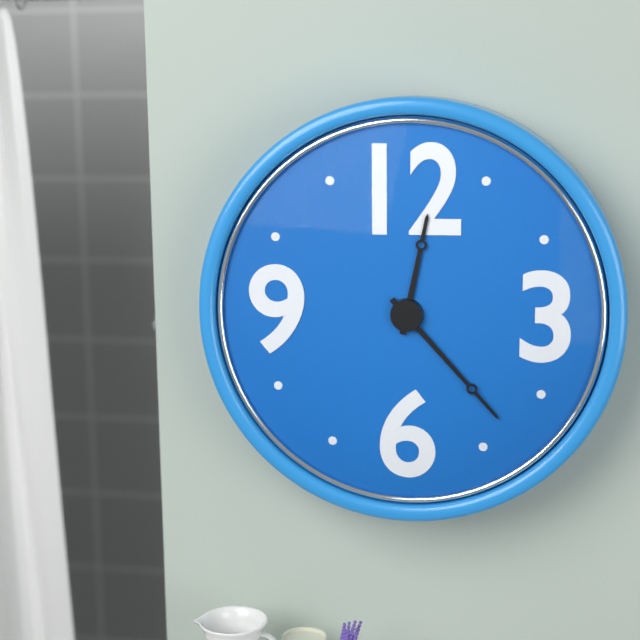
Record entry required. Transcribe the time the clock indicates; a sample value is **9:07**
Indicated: **12:23**
